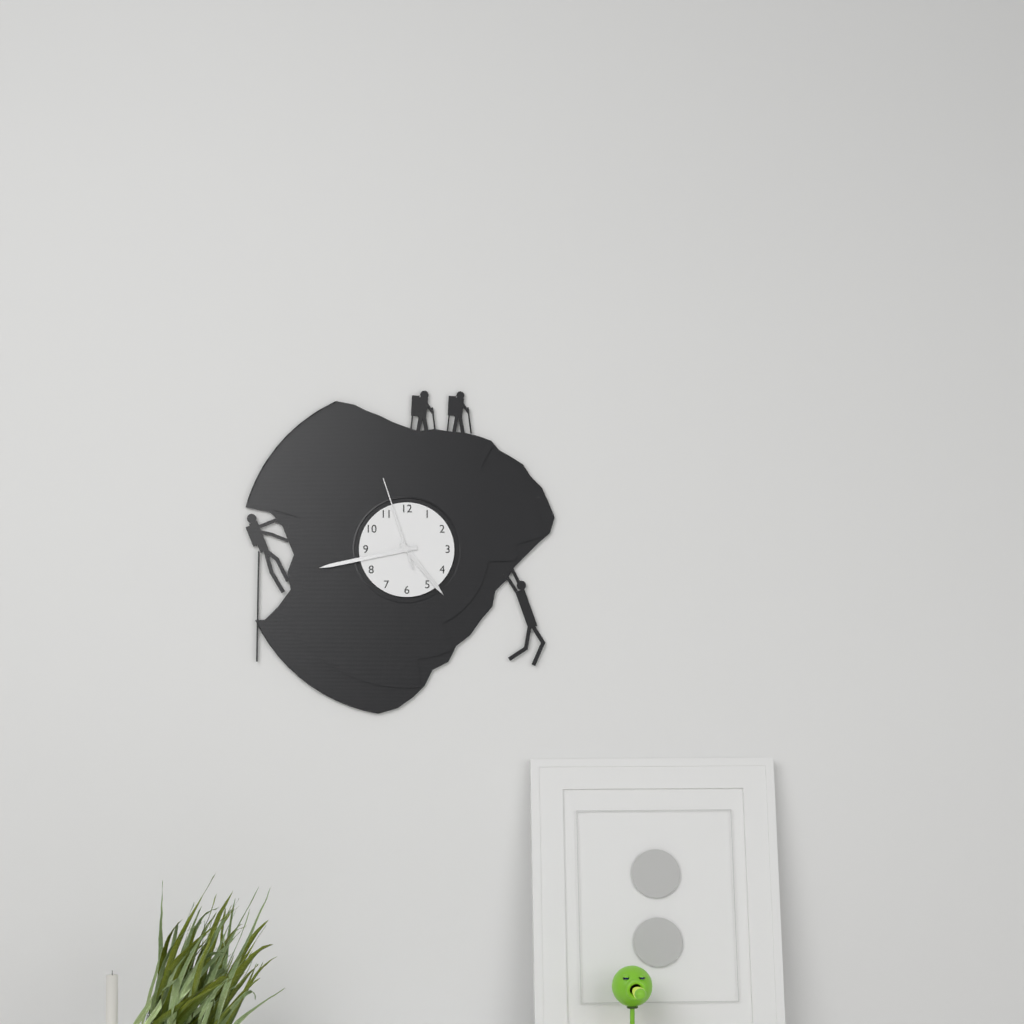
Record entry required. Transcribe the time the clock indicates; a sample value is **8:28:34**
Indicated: **4:43:57**
